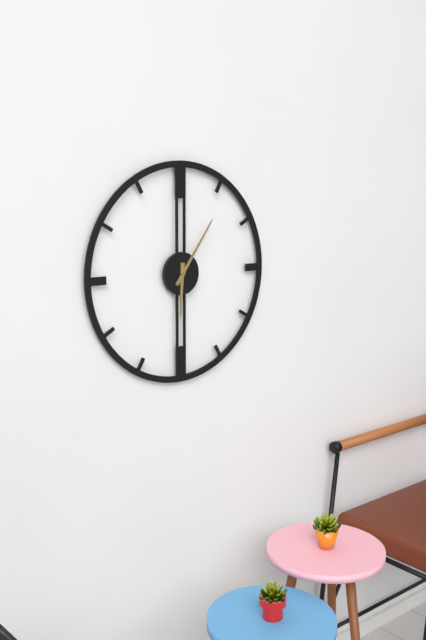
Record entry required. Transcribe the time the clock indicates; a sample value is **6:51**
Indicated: **6:06**
